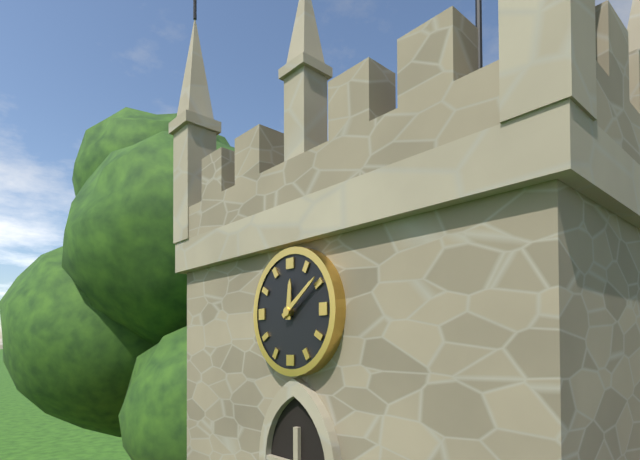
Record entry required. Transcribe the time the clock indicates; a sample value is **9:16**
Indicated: **12:09**
